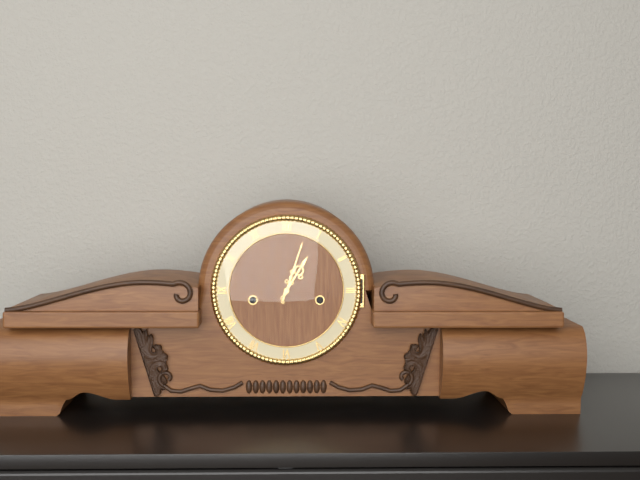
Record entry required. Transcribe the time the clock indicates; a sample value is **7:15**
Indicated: **1:03**
